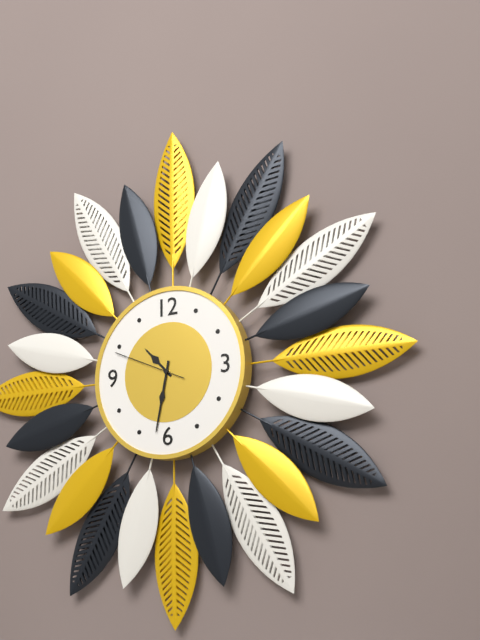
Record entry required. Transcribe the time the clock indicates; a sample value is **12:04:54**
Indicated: **10:32:49**
